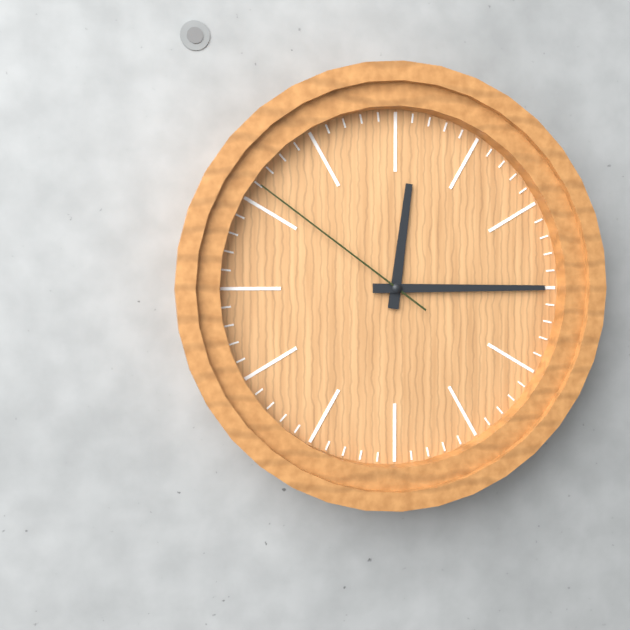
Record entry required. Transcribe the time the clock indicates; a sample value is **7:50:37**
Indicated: **12:15:51**
